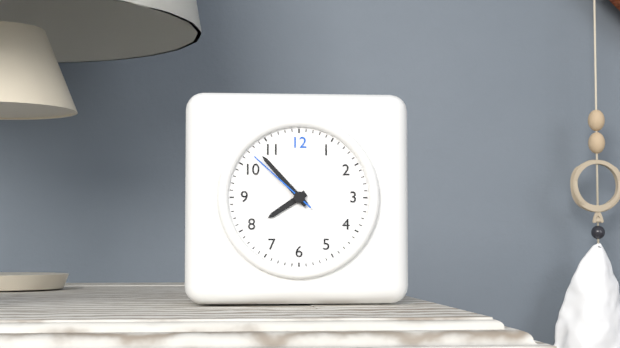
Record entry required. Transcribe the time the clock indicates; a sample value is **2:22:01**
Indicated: **7:53:52**
